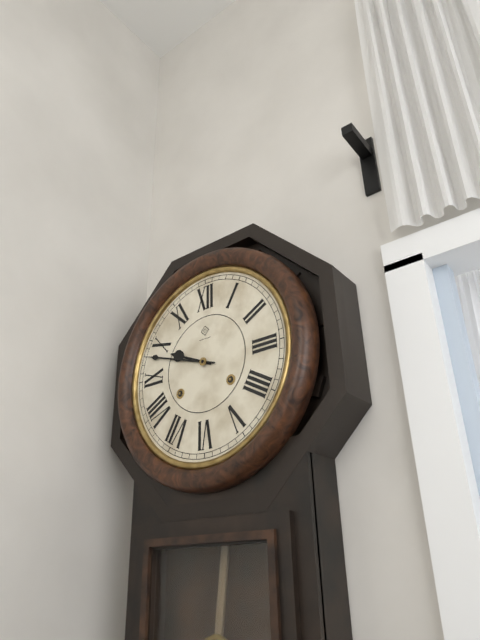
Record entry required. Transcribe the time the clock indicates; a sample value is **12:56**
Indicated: **9:48**
